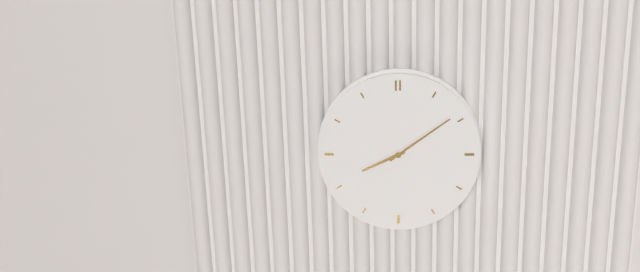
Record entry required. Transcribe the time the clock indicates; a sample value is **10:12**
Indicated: **8:09**
